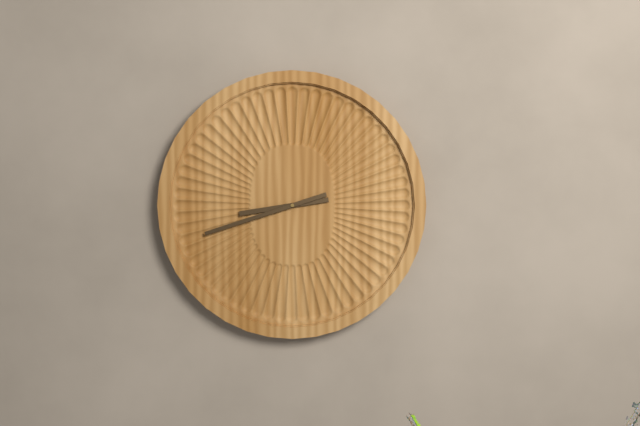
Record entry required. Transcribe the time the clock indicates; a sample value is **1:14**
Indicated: **8:42**
